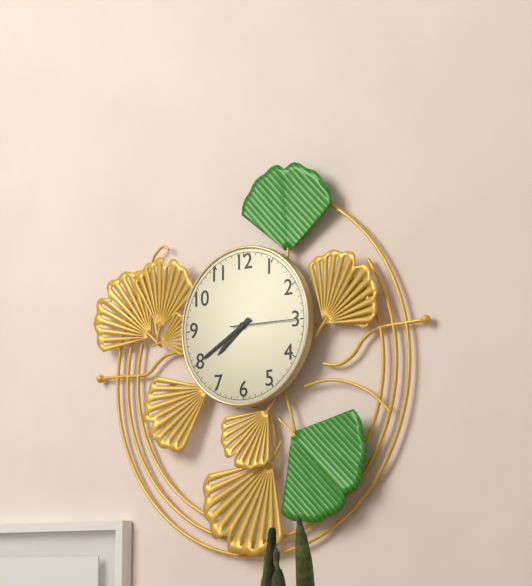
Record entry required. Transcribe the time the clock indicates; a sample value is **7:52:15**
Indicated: **7:40:15**
